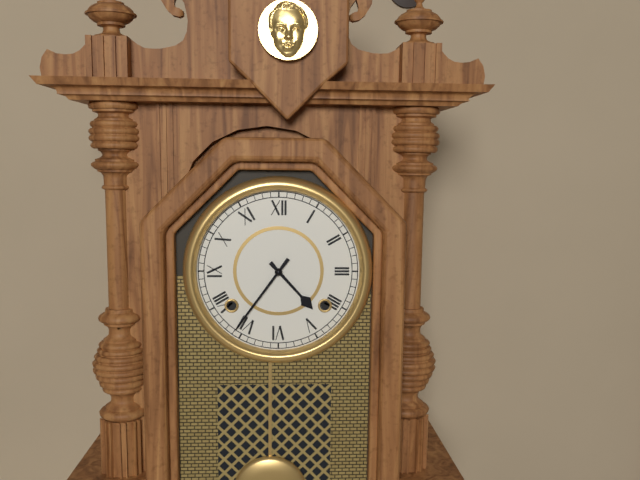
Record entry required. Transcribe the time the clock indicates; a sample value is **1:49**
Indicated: **4:36**
